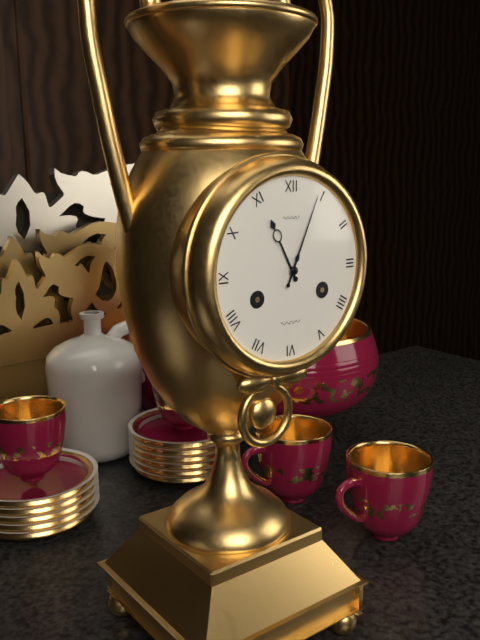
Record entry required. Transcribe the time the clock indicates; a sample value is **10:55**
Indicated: **11:04**
